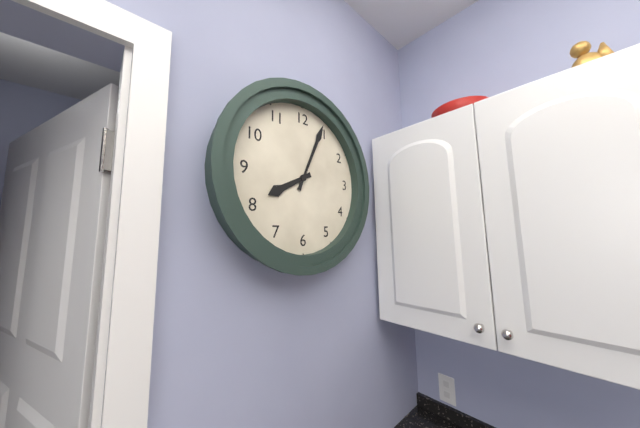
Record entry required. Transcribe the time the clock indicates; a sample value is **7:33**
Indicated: **8:04**
